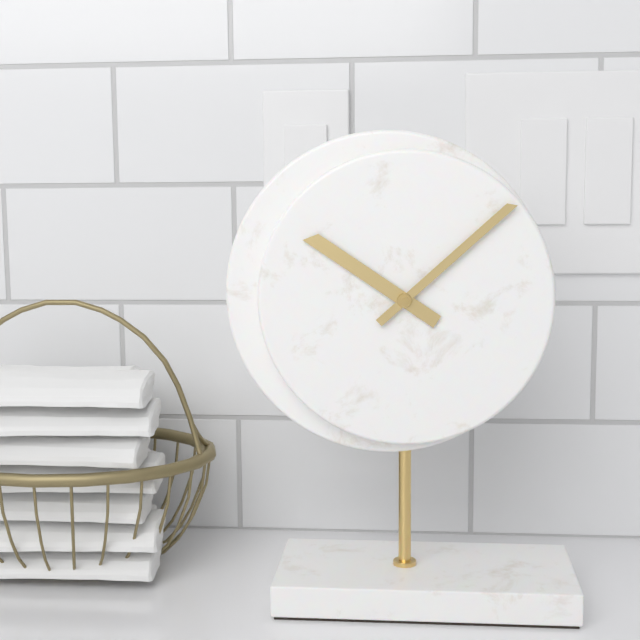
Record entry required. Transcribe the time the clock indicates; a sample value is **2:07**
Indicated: **10:08**
